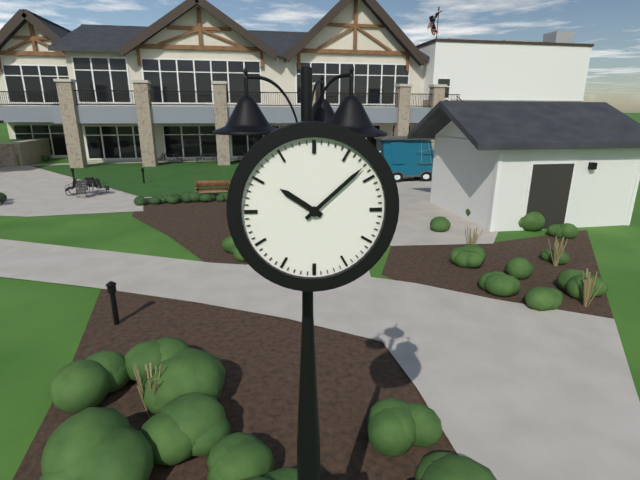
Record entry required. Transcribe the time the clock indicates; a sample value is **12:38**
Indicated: **10:08**
